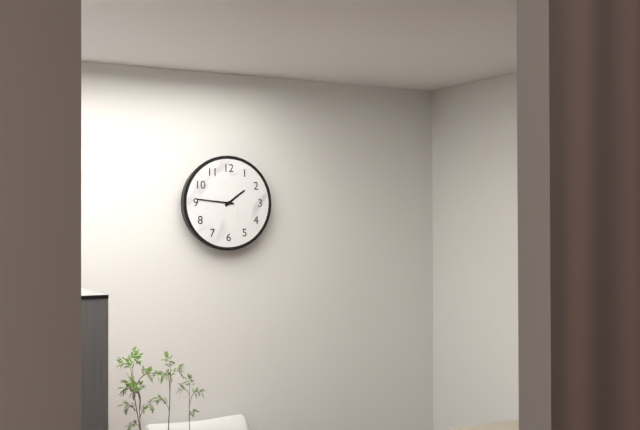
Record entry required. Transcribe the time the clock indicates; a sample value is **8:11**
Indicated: **1:46**
